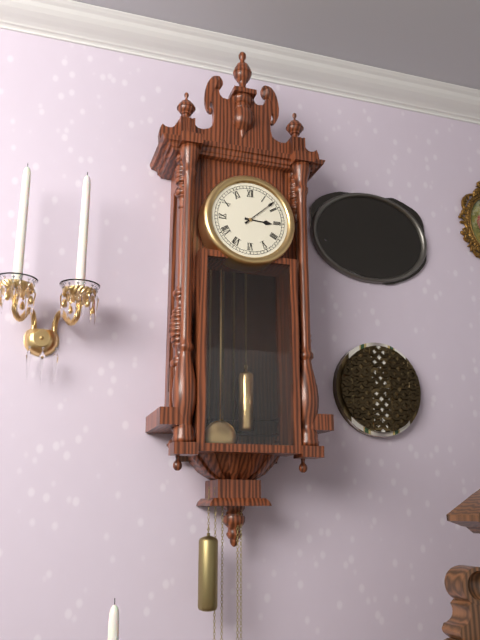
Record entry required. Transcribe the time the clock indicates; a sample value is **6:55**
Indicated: **3:08**
